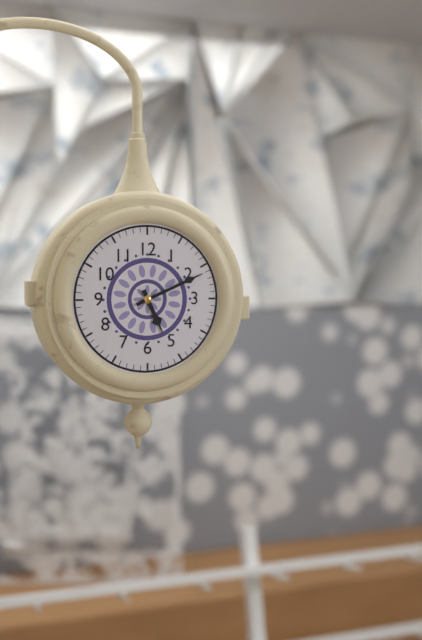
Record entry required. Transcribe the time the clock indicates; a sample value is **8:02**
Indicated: **5:11**
